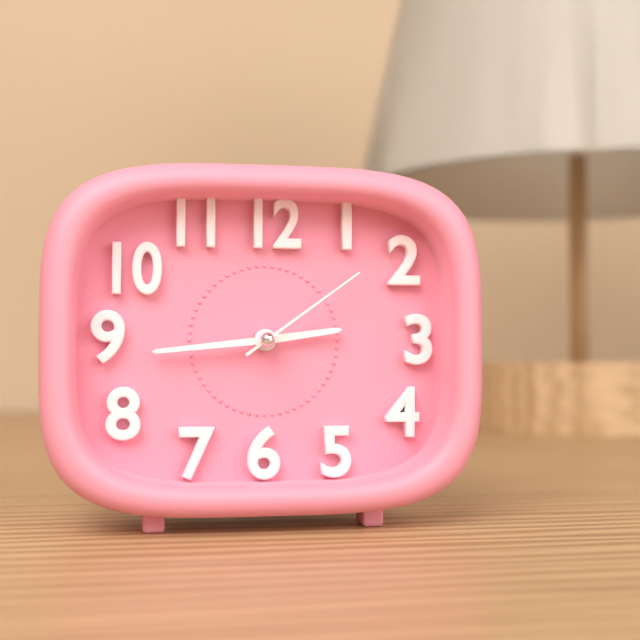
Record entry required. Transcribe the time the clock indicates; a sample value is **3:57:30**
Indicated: **2:44:09**
